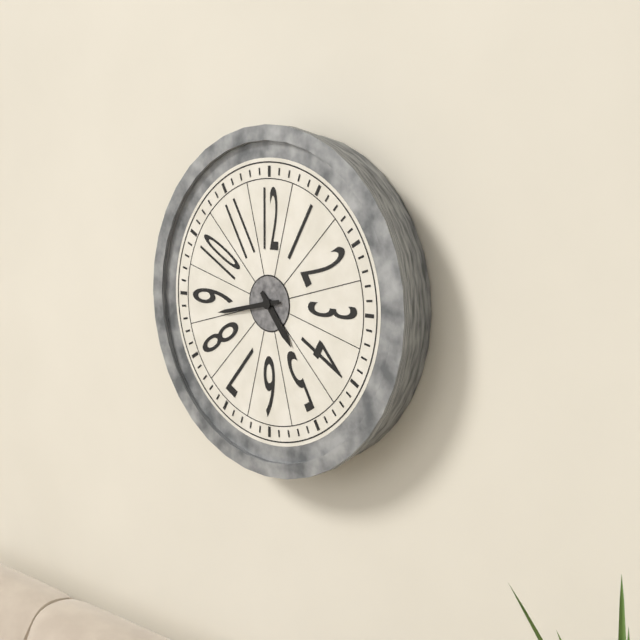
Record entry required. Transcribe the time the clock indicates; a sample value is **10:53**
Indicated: **4:43**
